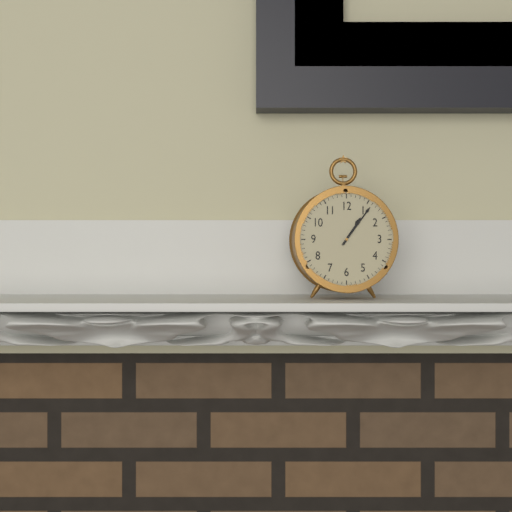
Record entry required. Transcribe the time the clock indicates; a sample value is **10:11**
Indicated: **1:06**
